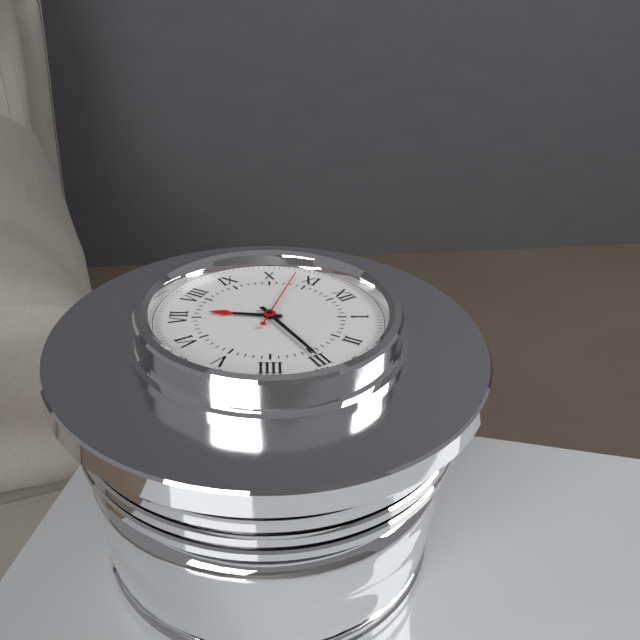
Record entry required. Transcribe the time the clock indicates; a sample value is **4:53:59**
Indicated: **7:15:53**
